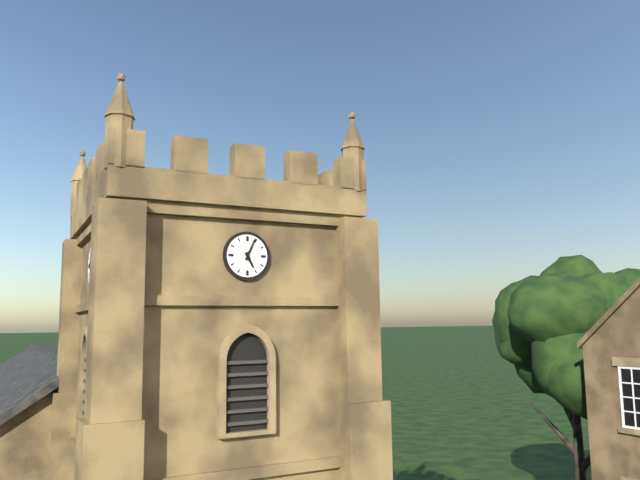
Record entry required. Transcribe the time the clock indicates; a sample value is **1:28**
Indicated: **5:04**
